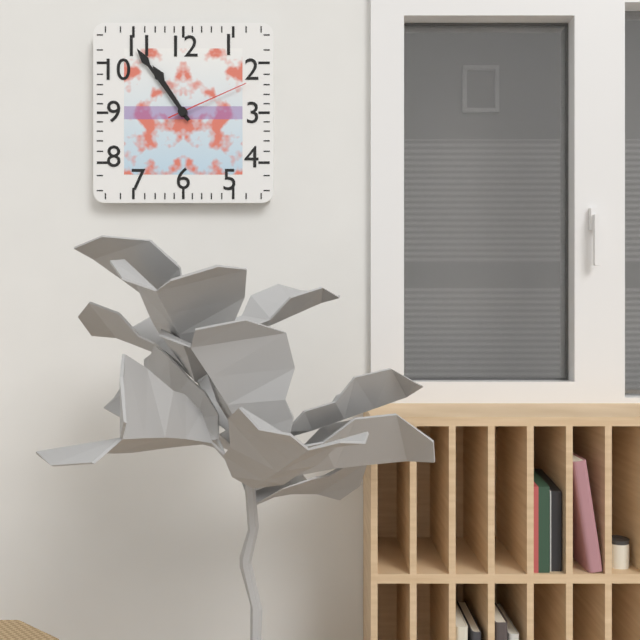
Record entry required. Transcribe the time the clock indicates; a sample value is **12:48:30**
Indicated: **10:54:11**
